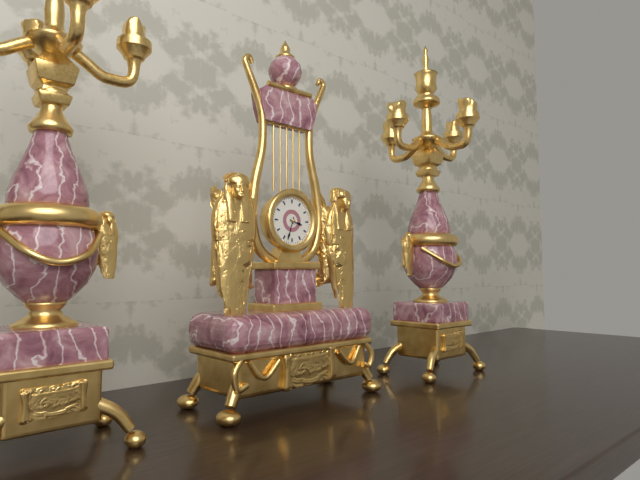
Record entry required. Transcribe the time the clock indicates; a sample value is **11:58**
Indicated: **3:33**
